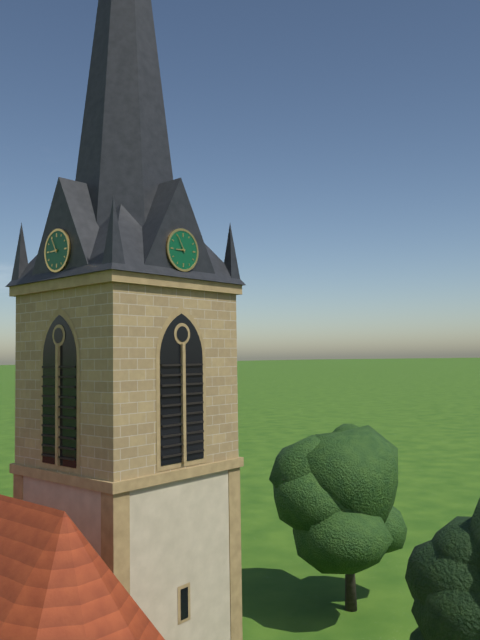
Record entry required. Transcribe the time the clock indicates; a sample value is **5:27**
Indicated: **8:55**
